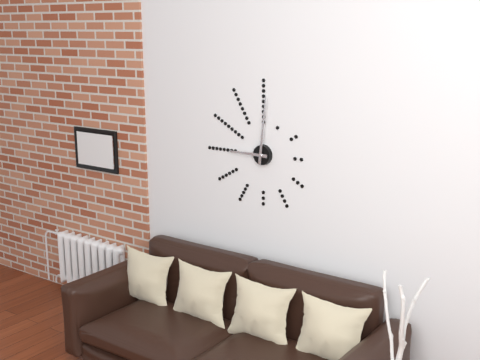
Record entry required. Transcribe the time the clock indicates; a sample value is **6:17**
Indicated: **9:01**
